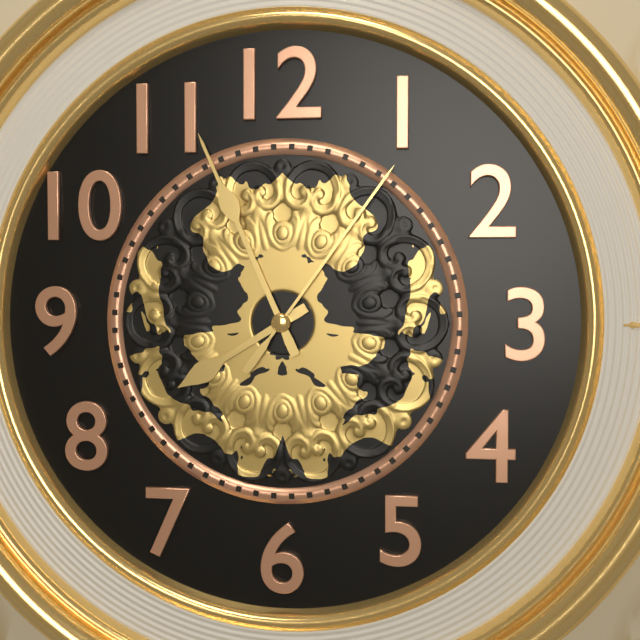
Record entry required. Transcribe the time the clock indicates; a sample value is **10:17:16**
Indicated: **7:56:06**
